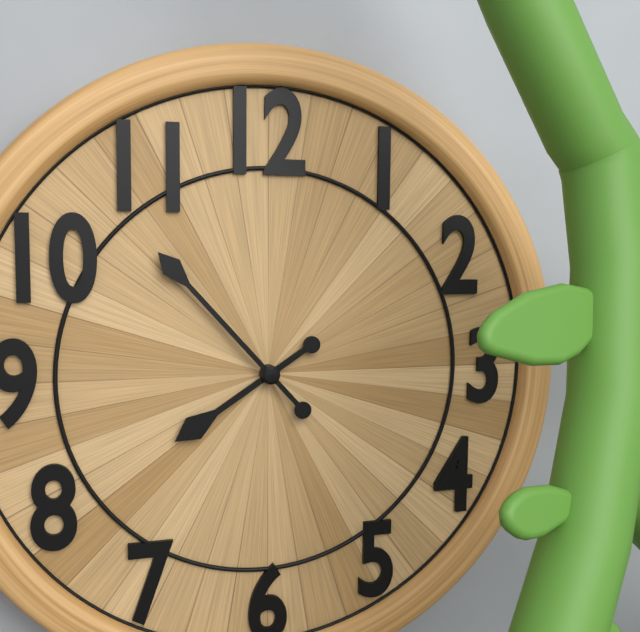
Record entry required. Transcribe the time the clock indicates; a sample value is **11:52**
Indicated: **7:53**
